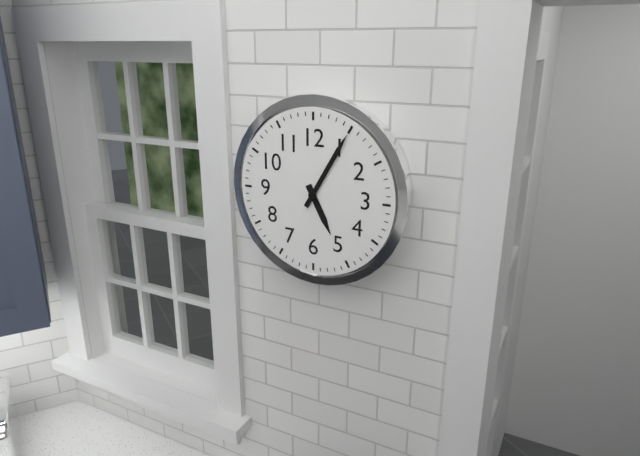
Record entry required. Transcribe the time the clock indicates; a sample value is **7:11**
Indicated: **5:05**
